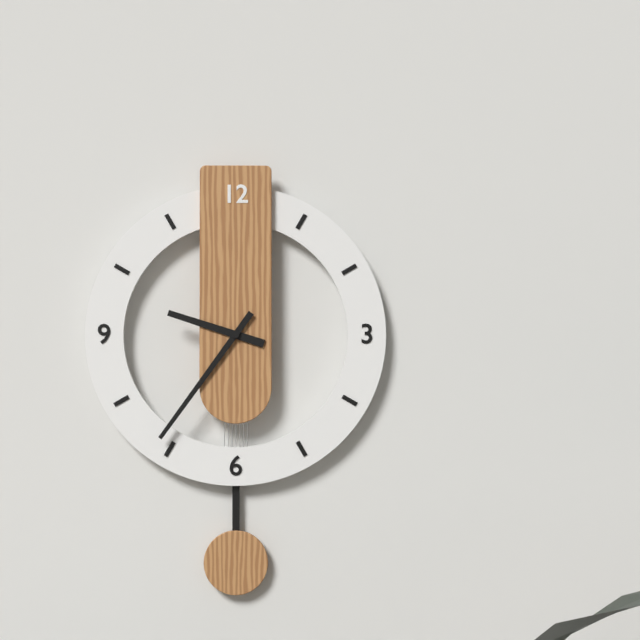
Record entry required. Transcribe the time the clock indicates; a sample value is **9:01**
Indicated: **9:36**
